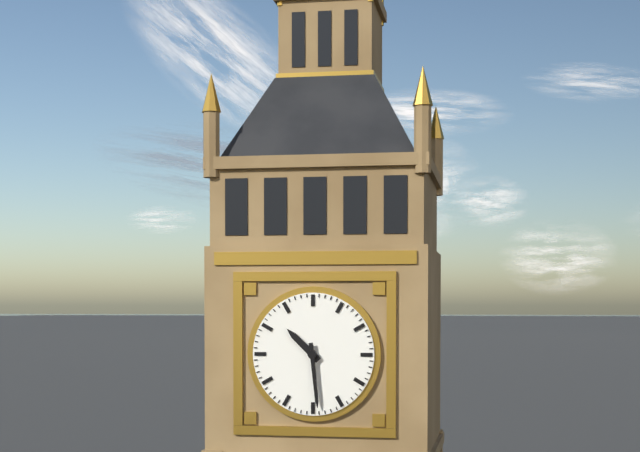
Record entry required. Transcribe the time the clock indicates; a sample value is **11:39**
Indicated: **10:29**
